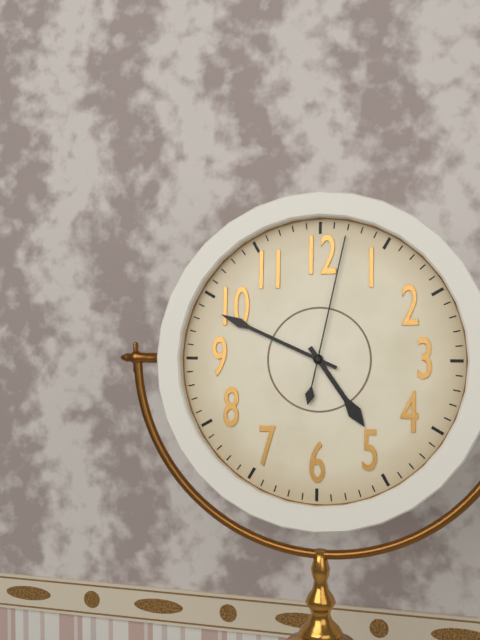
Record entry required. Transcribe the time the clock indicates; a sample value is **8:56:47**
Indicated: **4:49:02**
